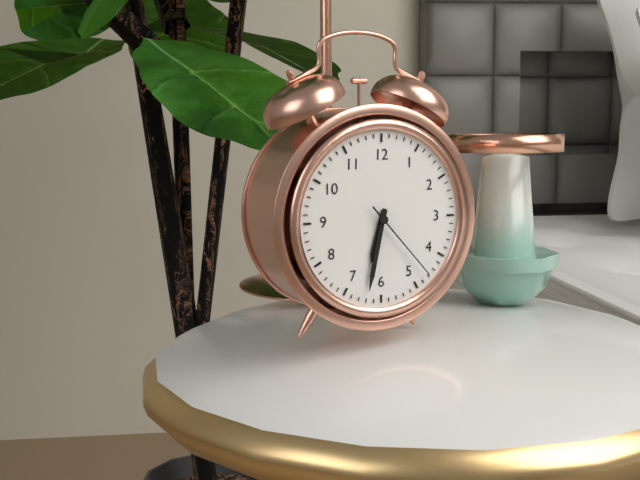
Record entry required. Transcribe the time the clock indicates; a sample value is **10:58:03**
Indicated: **6:32:23**
